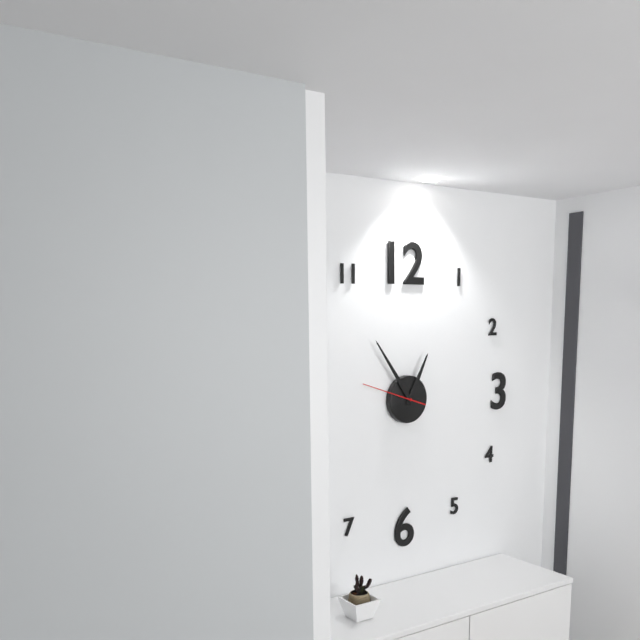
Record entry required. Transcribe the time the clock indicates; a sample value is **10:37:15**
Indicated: **12:54:48**
